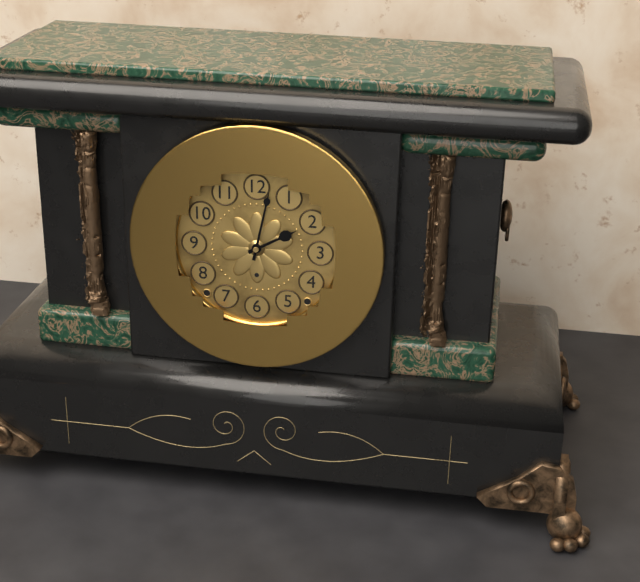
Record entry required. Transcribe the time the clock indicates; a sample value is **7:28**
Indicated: **2:02**
